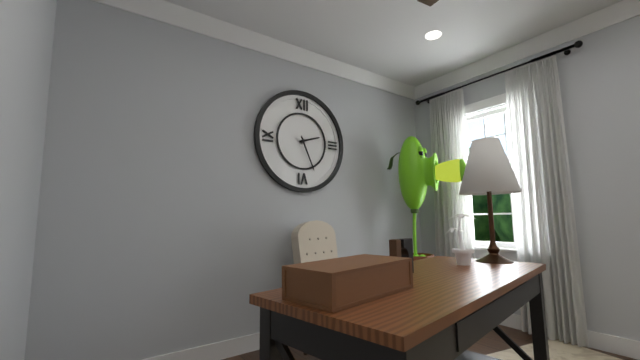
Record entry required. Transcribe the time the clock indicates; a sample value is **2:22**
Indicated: **2:26**
